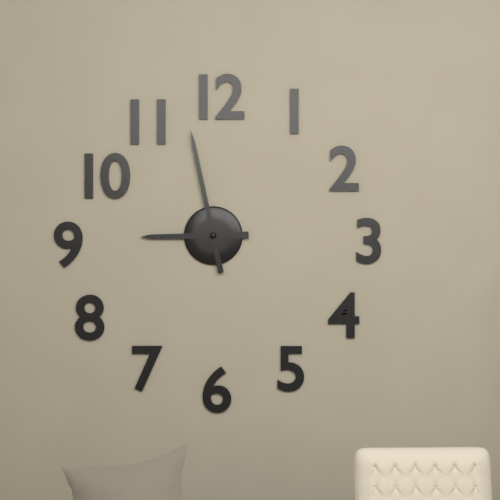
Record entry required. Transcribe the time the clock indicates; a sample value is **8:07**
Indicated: **8:58**
